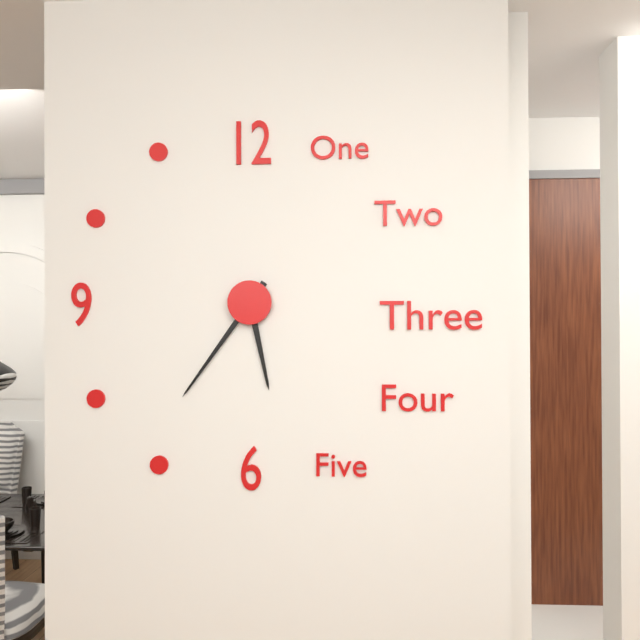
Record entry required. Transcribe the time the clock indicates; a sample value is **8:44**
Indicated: **5:36**
